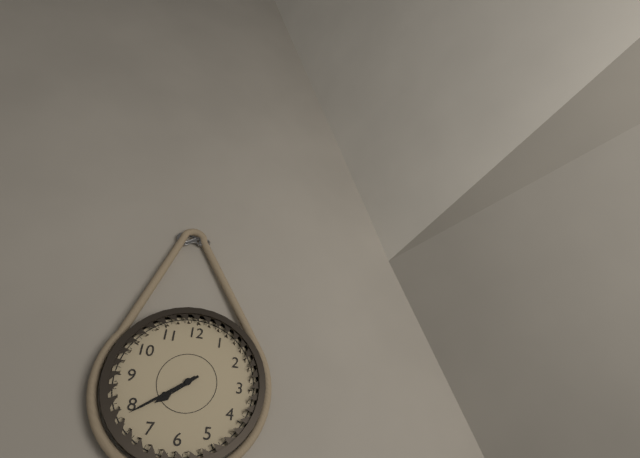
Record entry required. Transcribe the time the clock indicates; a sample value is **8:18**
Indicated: **7:39**
